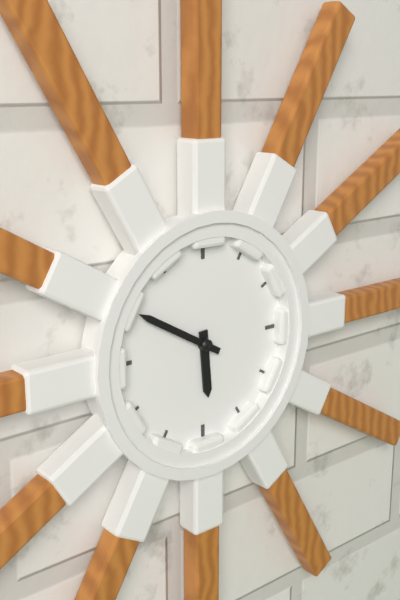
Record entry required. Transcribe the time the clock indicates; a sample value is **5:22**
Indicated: **5:50**
